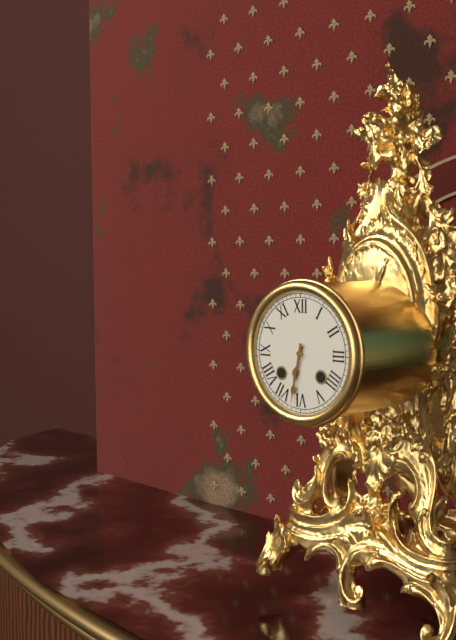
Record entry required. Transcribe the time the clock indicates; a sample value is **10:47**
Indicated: **6:32**
